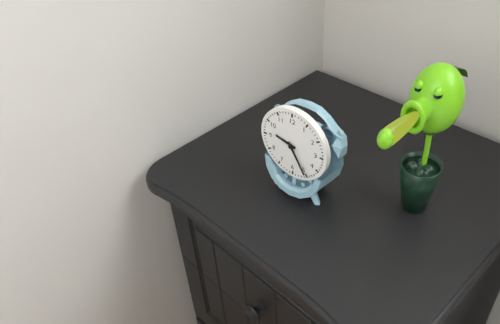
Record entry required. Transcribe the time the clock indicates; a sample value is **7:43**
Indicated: **9:25**
